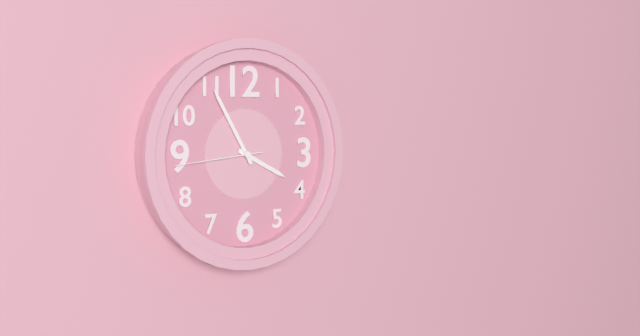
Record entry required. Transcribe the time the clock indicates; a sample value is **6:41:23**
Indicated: **3:55:44**
